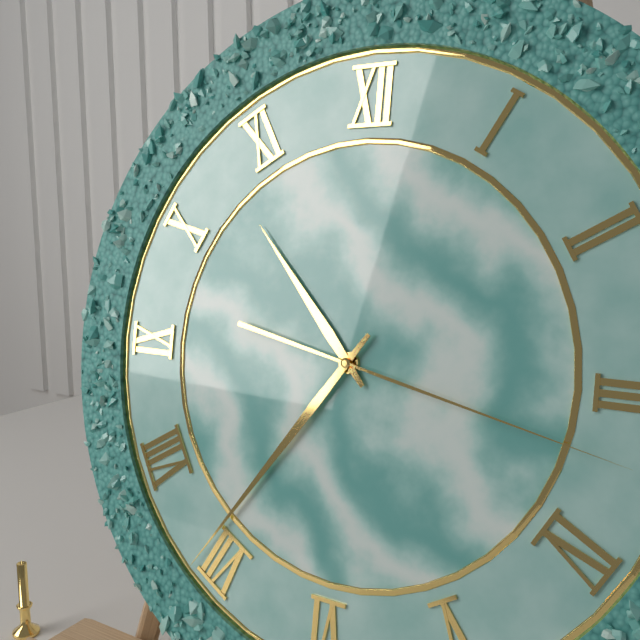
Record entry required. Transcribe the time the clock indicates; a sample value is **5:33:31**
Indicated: **10:36:17**
